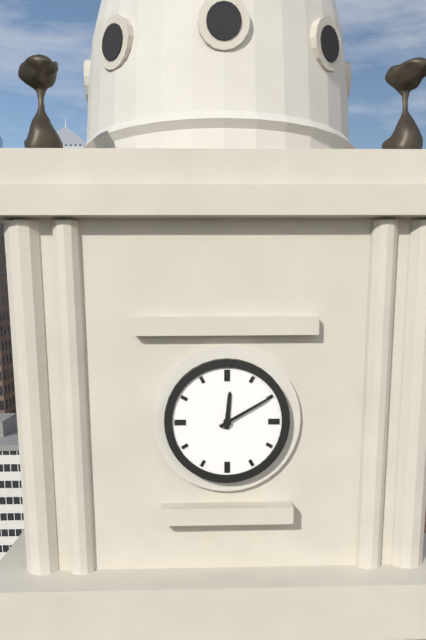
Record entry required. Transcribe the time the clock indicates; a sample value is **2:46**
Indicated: **12:10**
